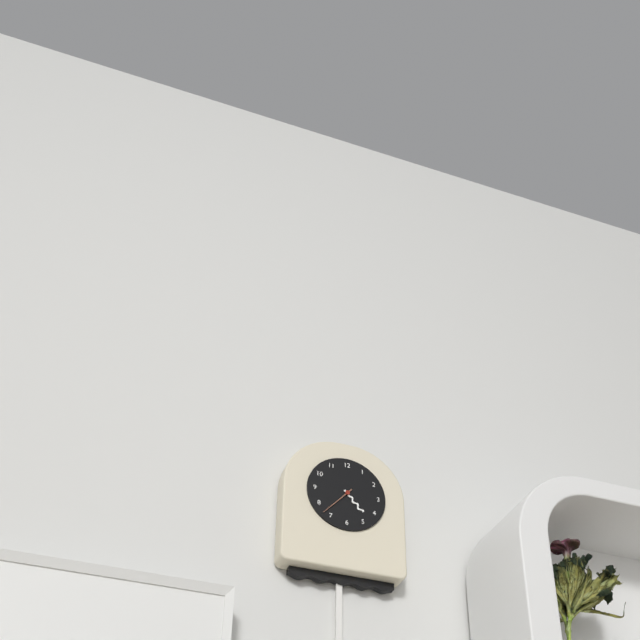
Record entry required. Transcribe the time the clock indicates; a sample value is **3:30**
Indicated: **4:37**
